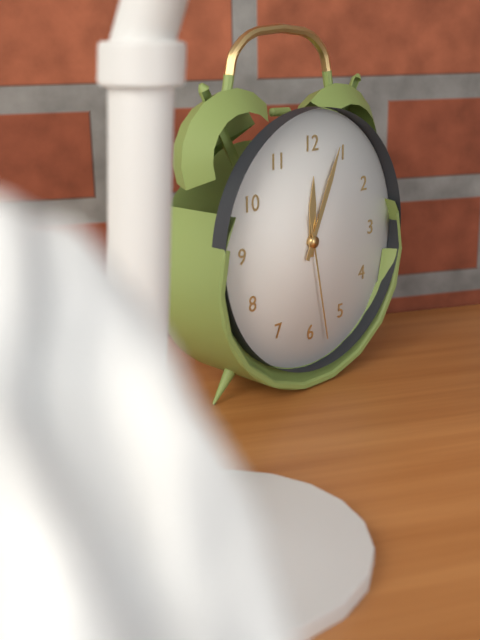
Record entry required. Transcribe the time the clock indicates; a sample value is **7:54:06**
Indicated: **12:04:28**
